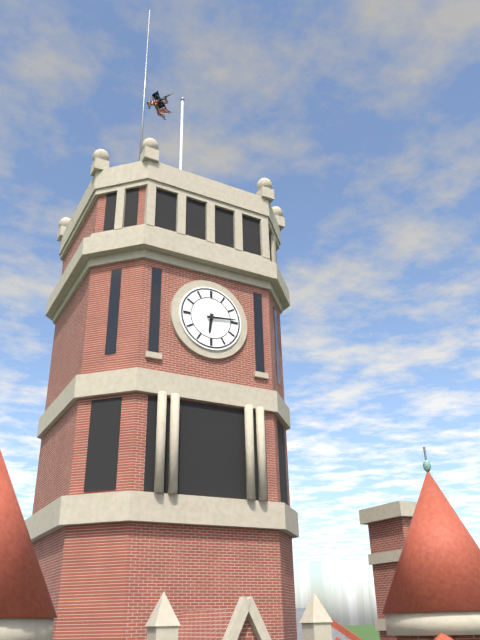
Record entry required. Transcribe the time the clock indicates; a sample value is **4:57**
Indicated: **6:14**
